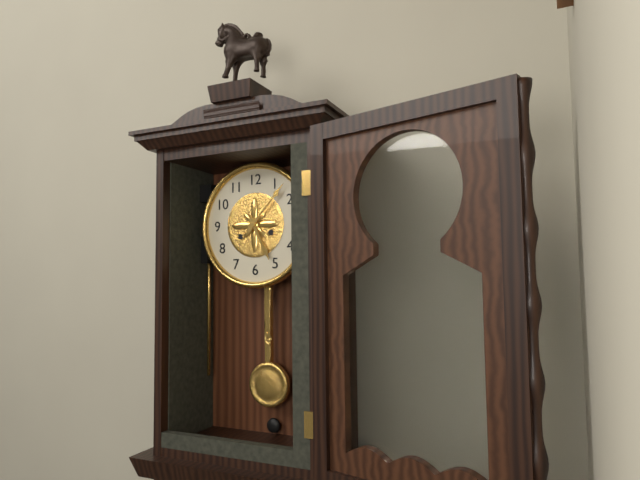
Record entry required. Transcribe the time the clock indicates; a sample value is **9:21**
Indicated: **5:07**
